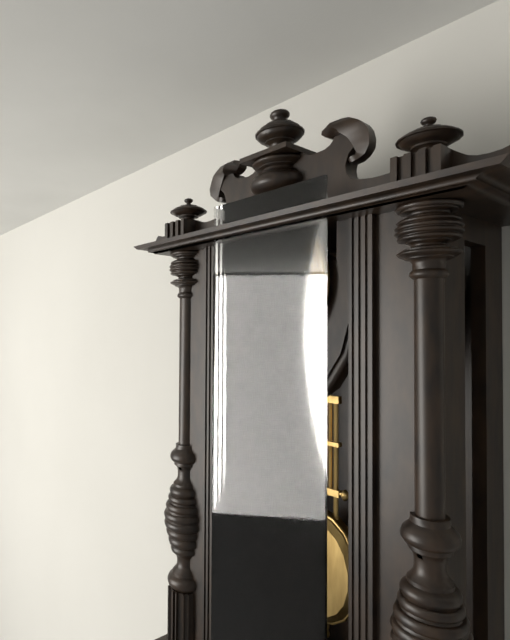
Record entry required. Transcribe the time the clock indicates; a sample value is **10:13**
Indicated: **5:32**
